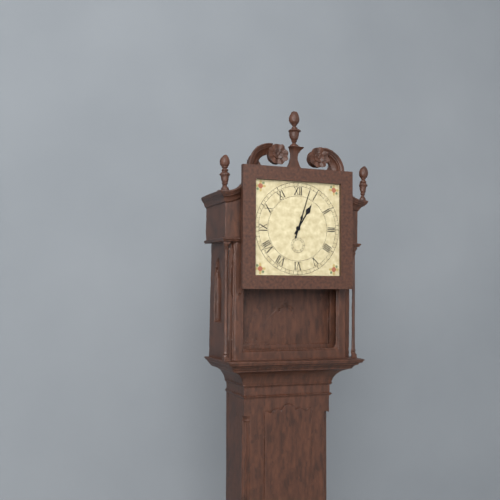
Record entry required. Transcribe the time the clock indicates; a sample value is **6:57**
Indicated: **1:03**
